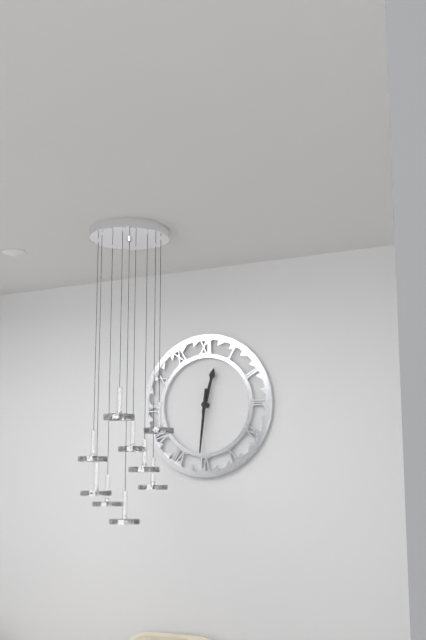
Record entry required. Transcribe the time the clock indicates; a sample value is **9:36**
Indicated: **12:31**
